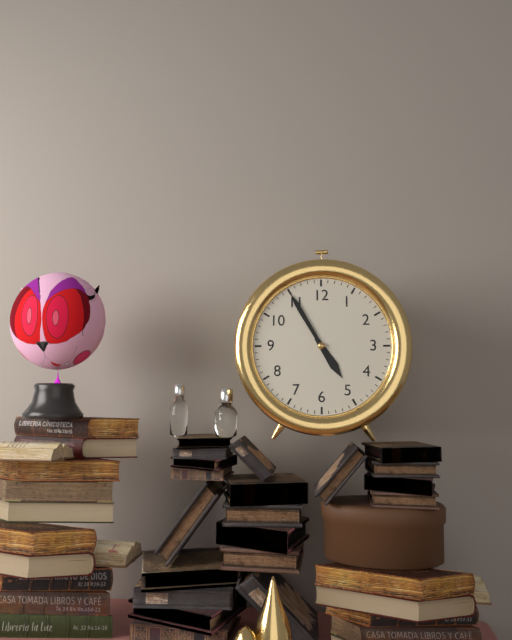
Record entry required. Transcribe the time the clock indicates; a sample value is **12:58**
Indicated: **4:55**
